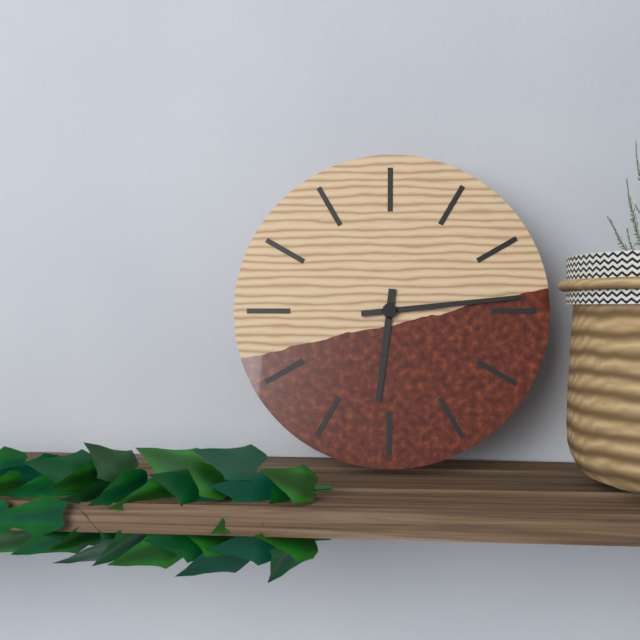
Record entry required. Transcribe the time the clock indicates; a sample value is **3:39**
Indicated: **6:14**
